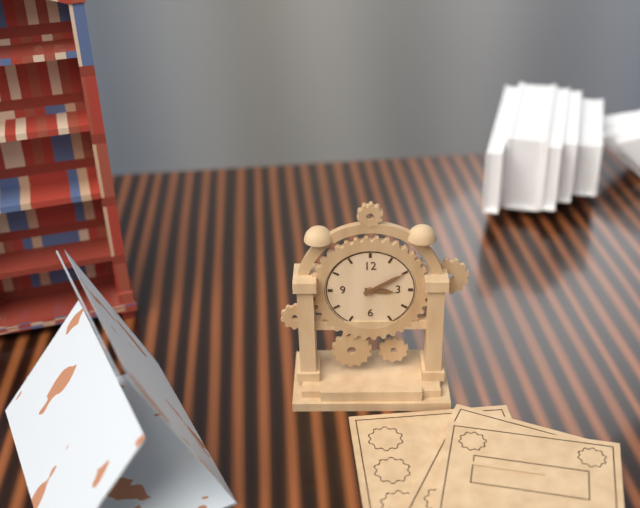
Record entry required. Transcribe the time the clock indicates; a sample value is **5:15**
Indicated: **3:10**
